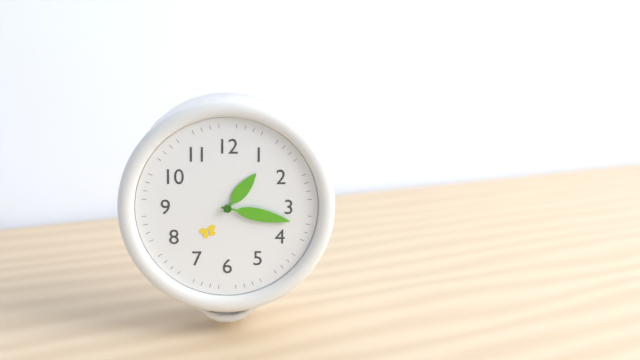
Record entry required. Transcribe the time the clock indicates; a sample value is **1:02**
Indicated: **1:17**
